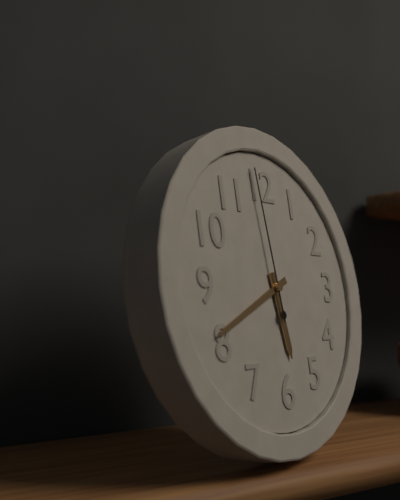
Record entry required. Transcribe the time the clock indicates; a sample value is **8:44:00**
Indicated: **5:41:59**
